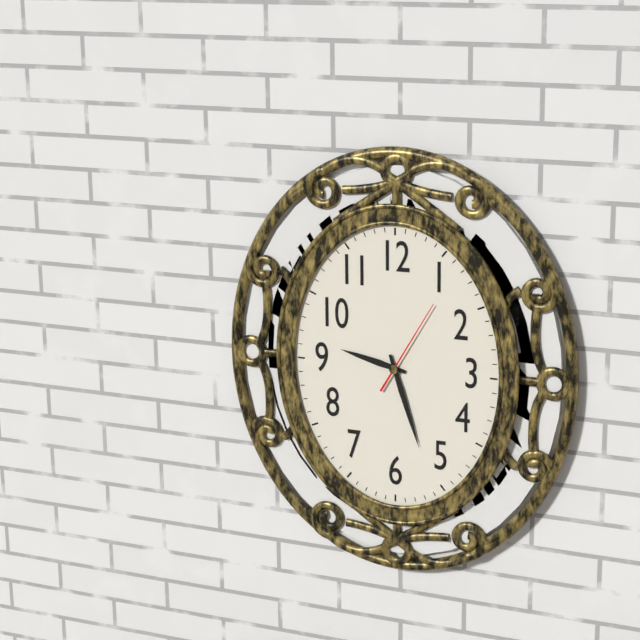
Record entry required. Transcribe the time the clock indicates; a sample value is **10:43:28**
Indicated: **9:27:05**
